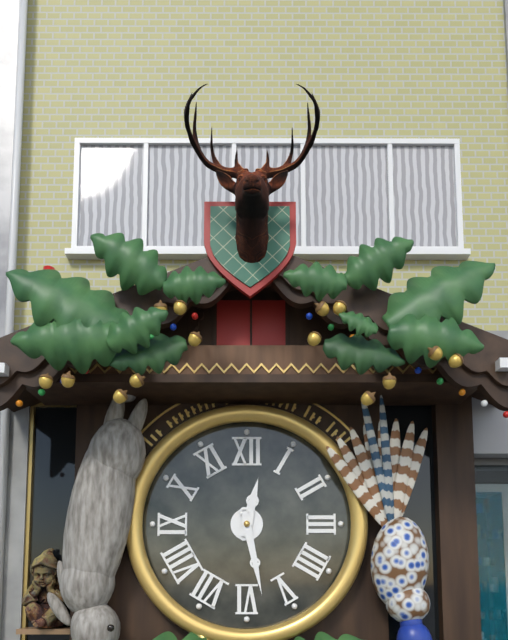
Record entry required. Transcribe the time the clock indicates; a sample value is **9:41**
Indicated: **12:28**
